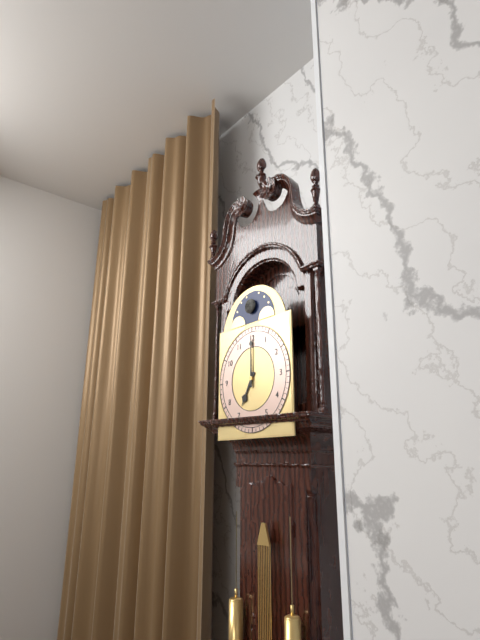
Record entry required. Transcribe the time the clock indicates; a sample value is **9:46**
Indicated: **7:00**
